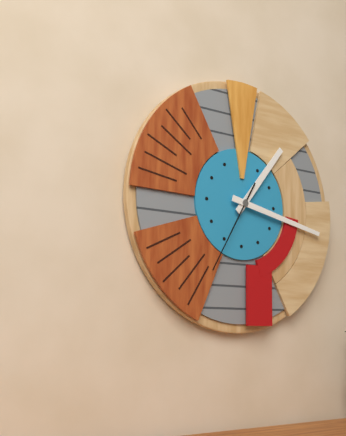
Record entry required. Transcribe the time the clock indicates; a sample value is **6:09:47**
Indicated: **1:17:35**
